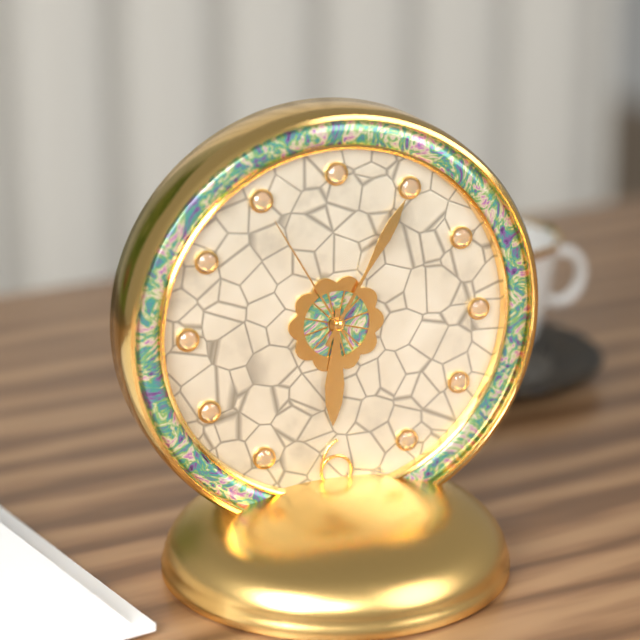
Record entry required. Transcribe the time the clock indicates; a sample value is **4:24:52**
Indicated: **6:05:55**
